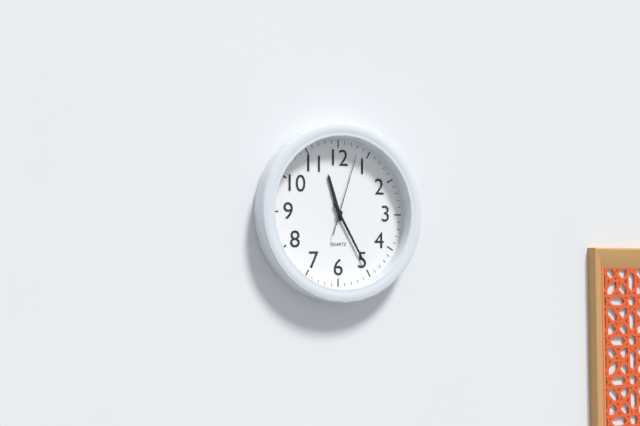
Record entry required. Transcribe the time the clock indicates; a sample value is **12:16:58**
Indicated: **11:25:03**
